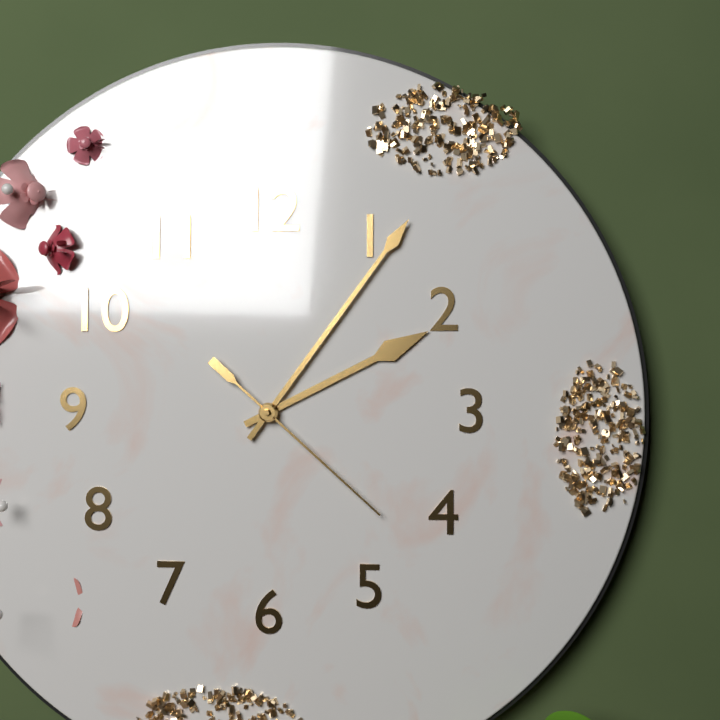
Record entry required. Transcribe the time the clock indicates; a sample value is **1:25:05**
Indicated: **2:06:22**
